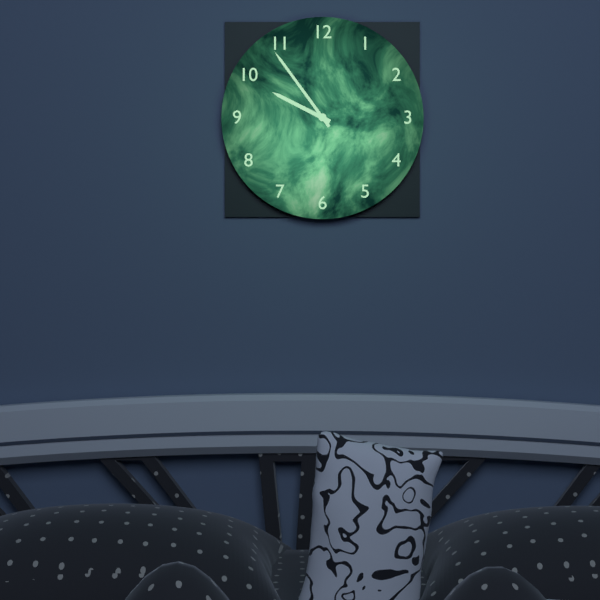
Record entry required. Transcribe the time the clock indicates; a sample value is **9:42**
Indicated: **9:54**
